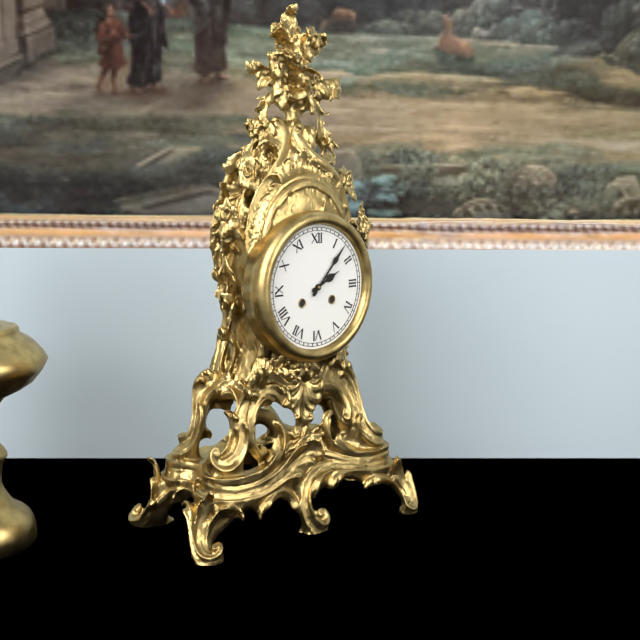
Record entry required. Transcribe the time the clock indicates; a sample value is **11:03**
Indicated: **2:07**
